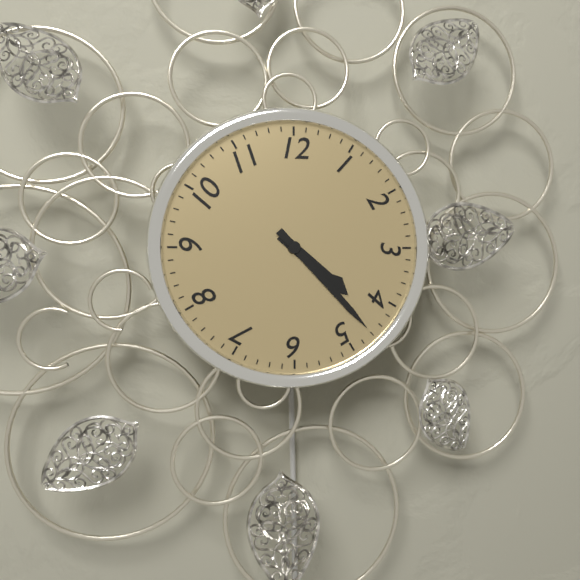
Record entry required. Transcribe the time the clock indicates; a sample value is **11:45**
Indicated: **4:23**
